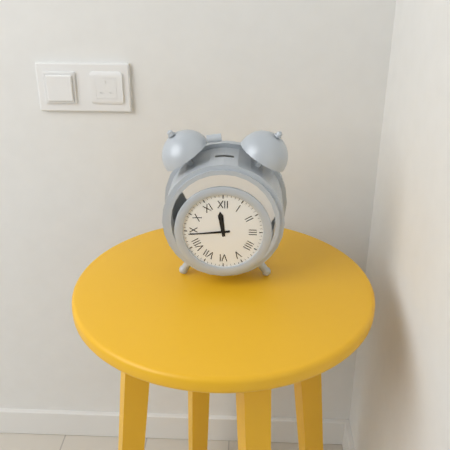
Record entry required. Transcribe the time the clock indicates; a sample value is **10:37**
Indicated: **11:44**
